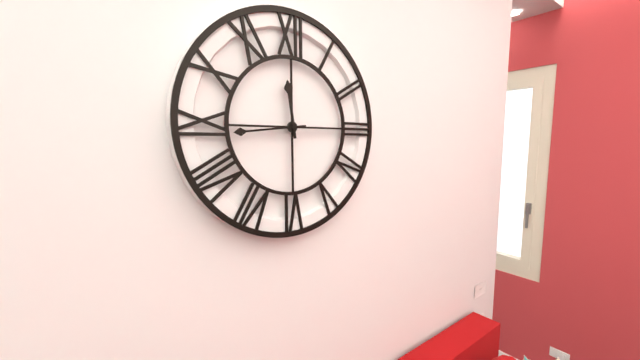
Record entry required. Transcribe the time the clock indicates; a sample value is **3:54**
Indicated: **11:44**
